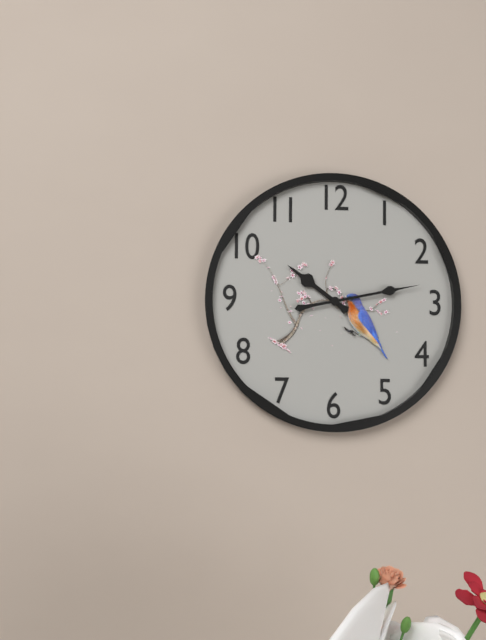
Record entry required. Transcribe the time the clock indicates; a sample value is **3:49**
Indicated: **10:13**
